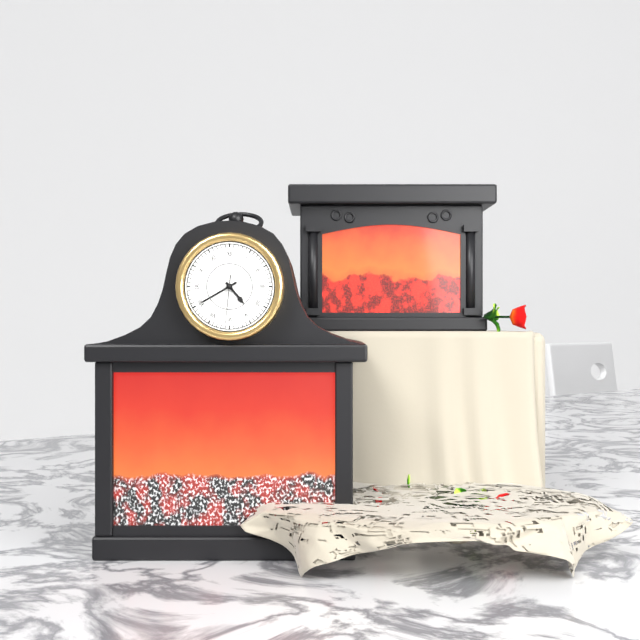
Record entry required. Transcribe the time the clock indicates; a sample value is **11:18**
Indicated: **4:40**
